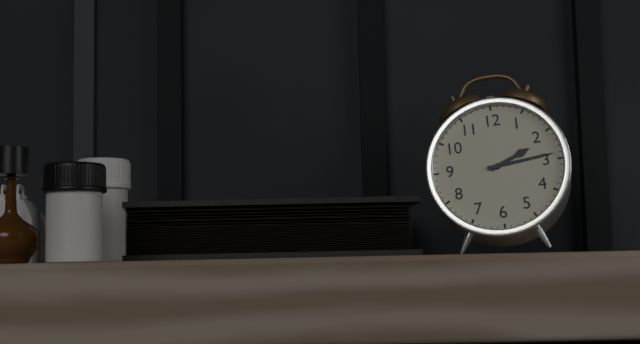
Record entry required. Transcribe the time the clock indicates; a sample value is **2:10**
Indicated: **2:14**
